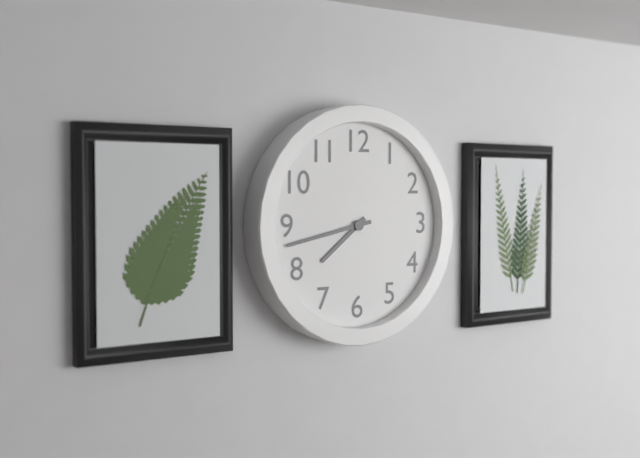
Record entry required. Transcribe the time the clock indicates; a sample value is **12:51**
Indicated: **7:43**
